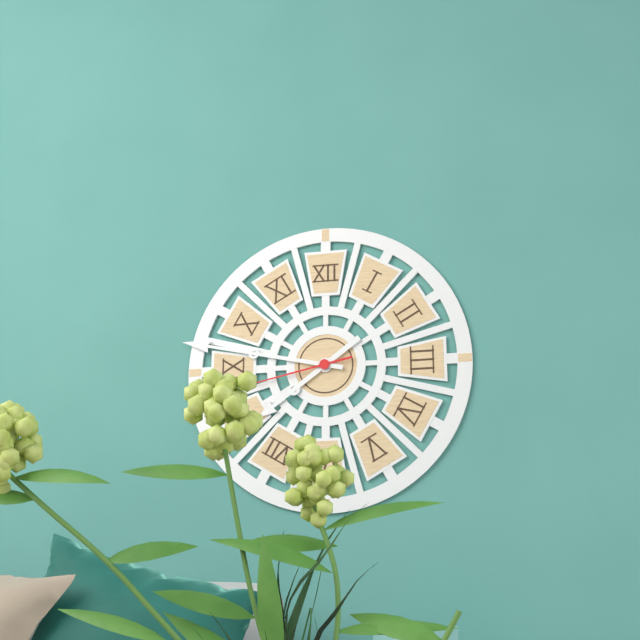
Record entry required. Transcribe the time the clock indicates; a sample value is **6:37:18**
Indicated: **7:47:43**
